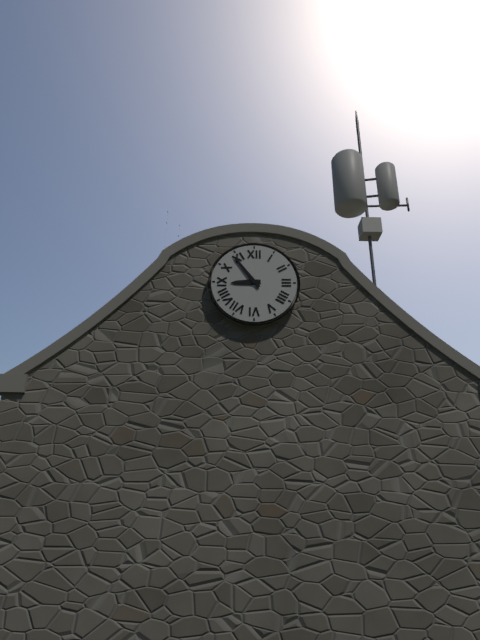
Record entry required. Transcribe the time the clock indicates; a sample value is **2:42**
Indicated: **8:54**
